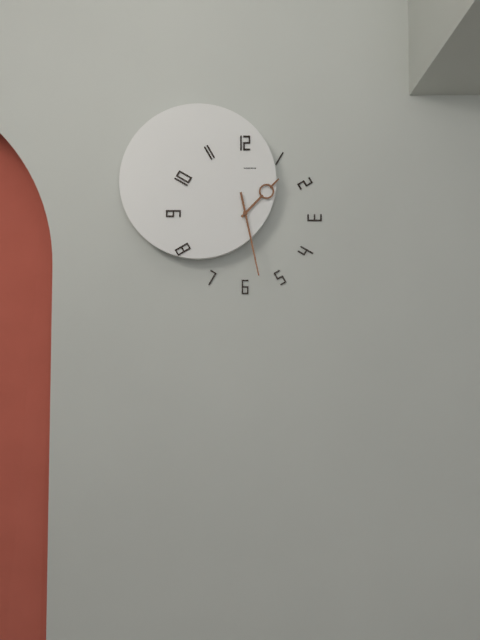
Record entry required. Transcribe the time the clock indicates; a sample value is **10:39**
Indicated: **1:28**
